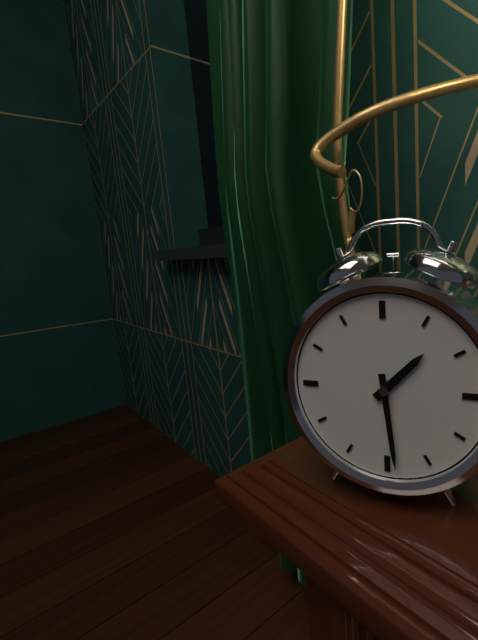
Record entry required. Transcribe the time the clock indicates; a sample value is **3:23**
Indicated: **1:29**
